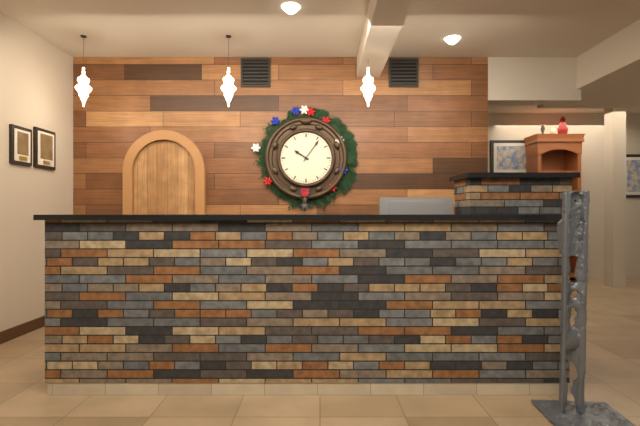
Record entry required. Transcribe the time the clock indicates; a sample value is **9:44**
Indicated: **10:06**
